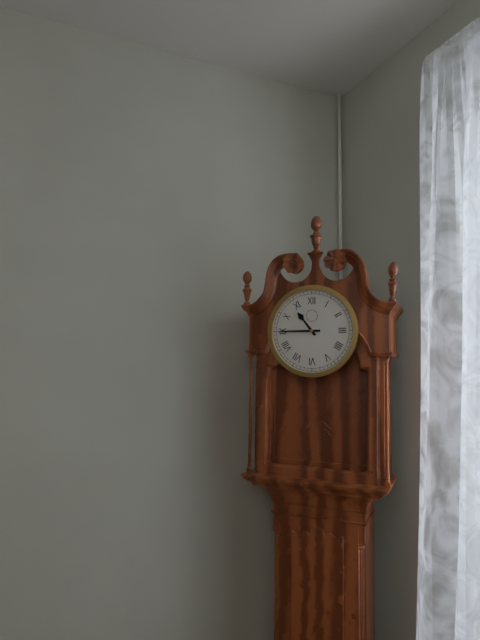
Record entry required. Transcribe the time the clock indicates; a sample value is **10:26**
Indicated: **10:45**
